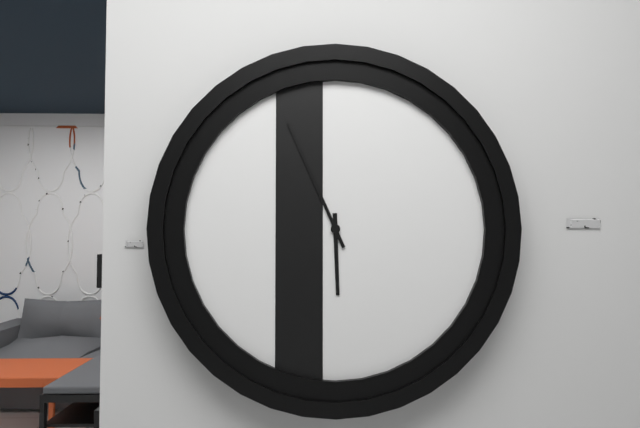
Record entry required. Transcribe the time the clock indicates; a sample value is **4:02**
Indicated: **5:56**
